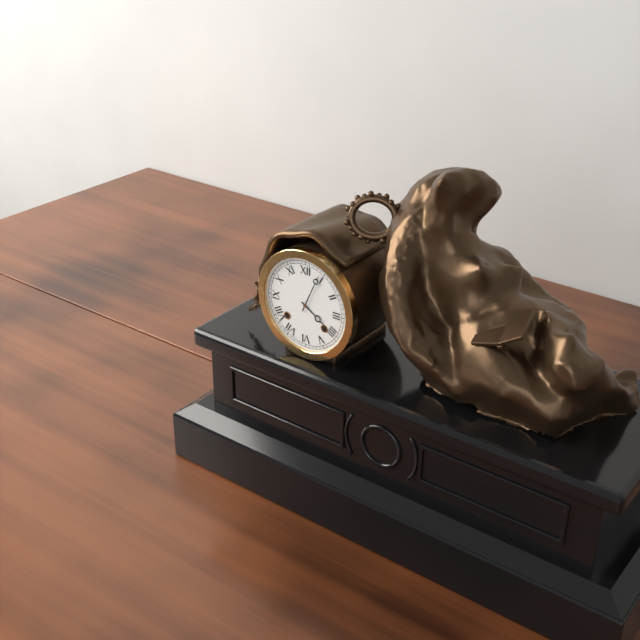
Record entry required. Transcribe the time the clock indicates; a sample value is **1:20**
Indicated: **4:04**
